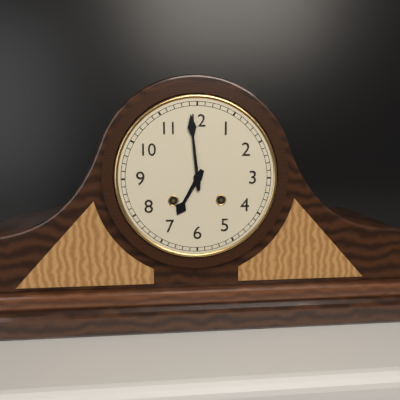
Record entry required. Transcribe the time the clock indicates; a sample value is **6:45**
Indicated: **6:59**
